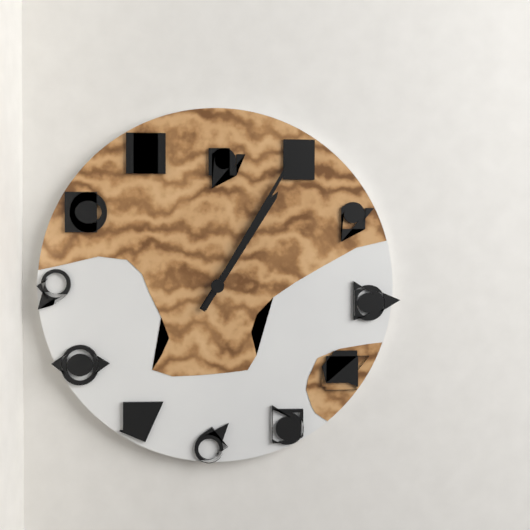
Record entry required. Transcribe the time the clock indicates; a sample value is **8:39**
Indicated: **1:05**
